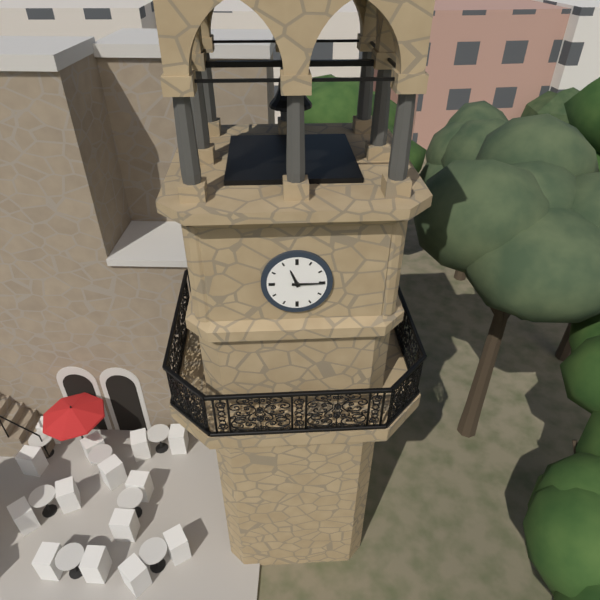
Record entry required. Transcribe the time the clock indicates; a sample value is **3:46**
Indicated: **11:15**
